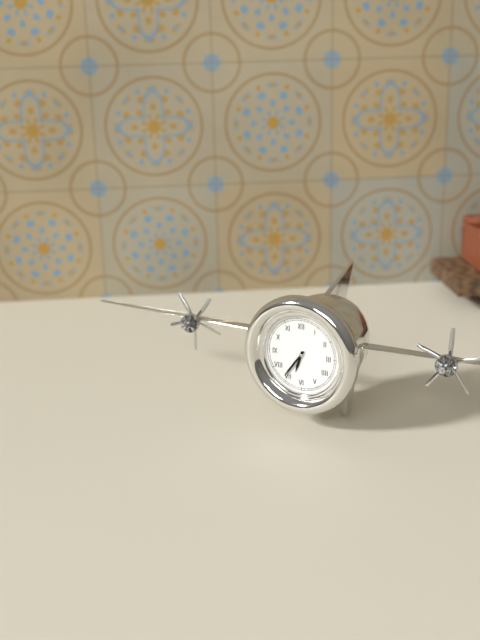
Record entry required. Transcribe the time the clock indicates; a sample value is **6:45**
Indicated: **6:36**
